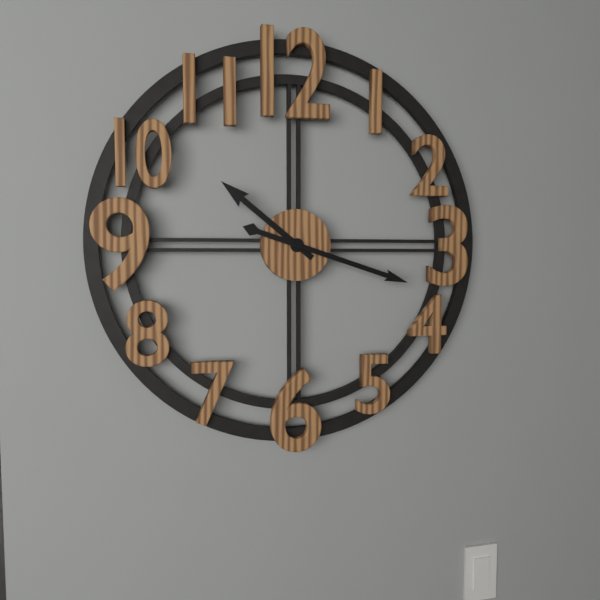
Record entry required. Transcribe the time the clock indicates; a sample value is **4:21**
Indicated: **10:18**
